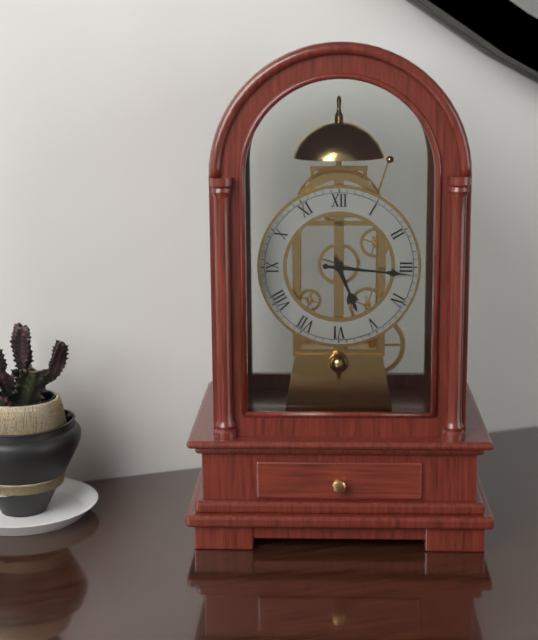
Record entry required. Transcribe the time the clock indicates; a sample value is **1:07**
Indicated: **5:16**
